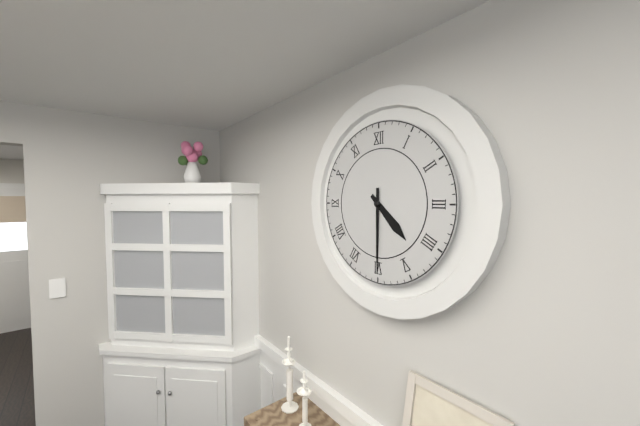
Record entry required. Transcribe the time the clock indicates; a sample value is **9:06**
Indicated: **4:30**
